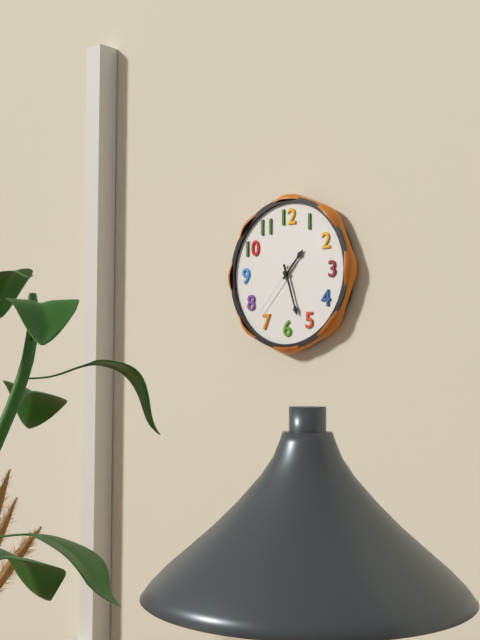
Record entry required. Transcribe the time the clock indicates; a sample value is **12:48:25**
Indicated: **1:27:37**
